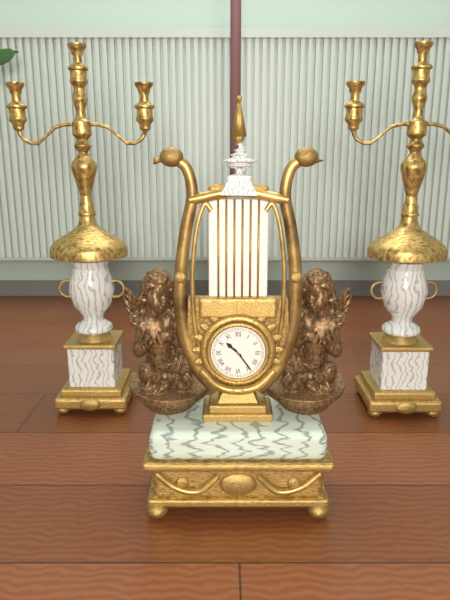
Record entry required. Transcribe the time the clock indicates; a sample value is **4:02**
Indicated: **10:24**
